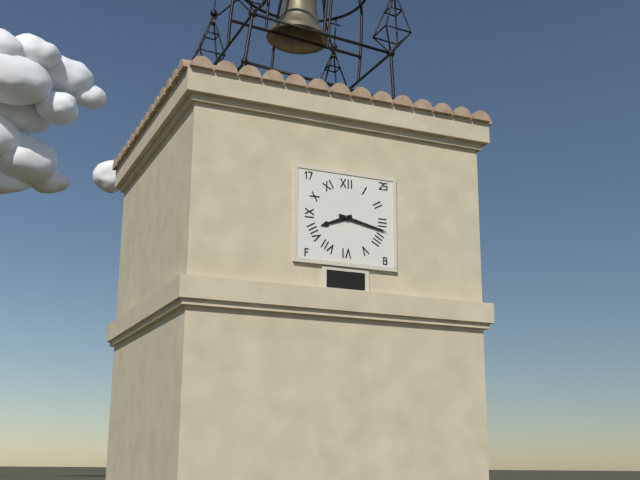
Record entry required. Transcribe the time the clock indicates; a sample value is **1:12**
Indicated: **8:17**
